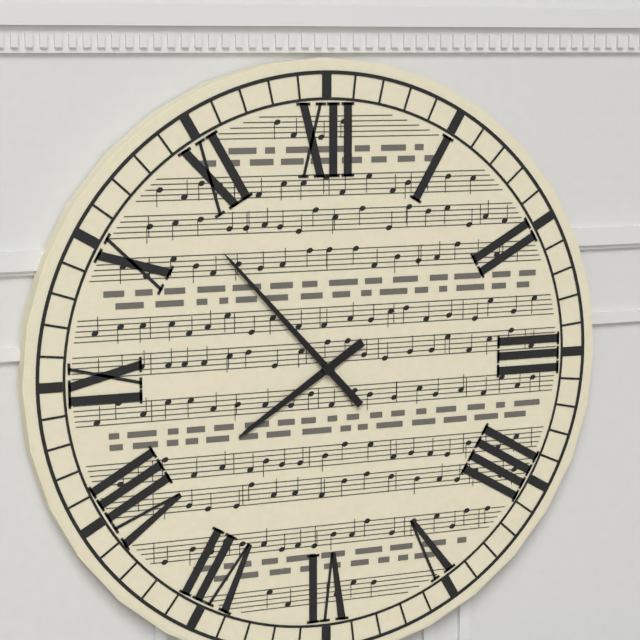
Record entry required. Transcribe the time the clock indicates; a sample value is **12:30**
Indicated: **7:53**
